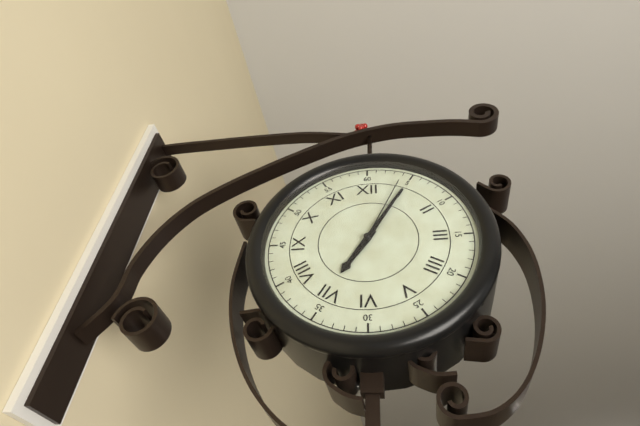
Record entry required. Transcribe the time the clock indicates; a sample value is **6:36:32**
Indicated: **7:05:04**
